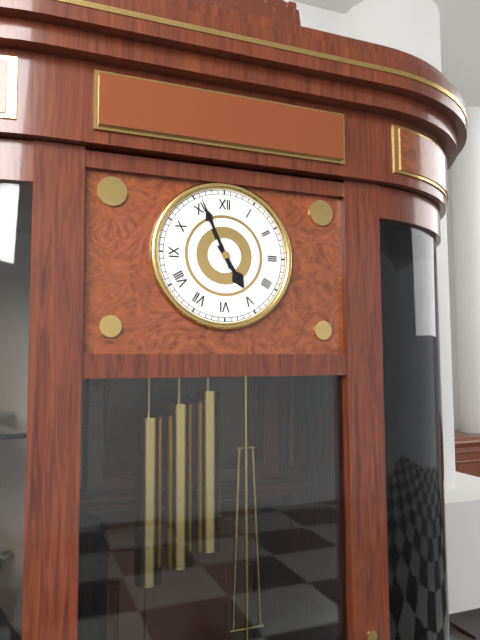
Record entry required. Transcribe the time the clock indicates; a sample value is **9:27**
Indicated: **4:56**
